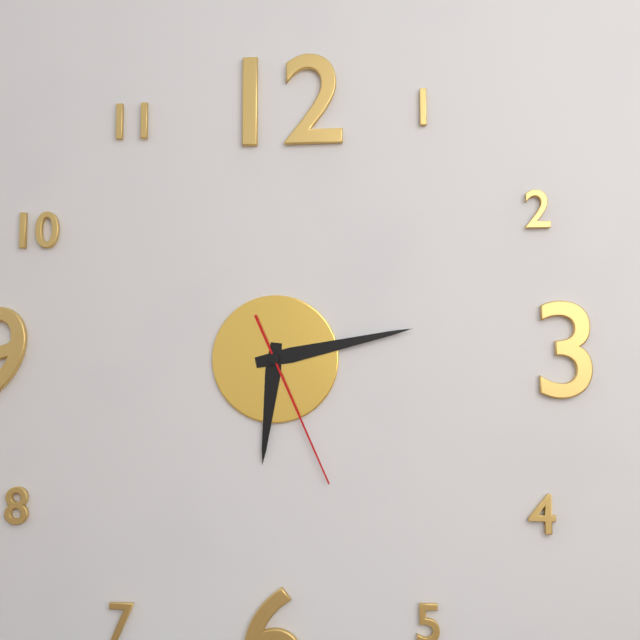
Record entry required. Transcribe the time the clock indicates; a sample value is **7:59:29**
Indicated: **6:13:26**
